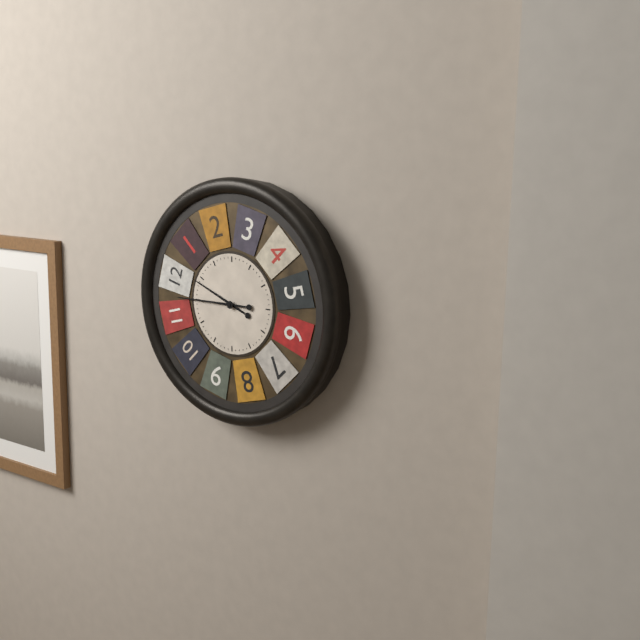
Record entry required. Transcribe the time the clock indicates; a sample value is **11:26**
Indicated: **9:45**
